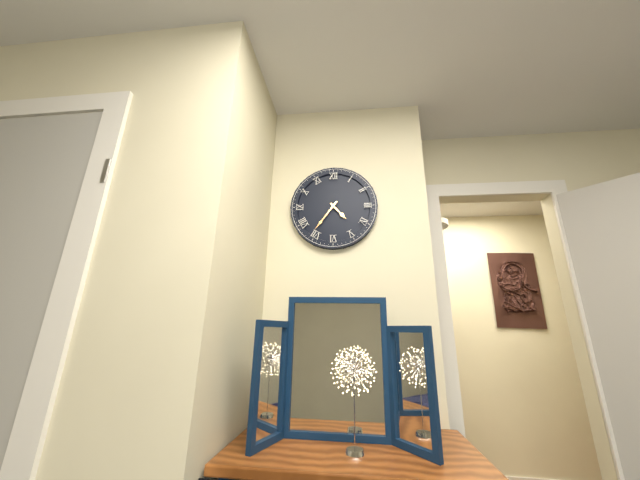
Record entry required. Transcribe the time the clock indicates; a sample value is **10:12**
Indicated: **4:36**
